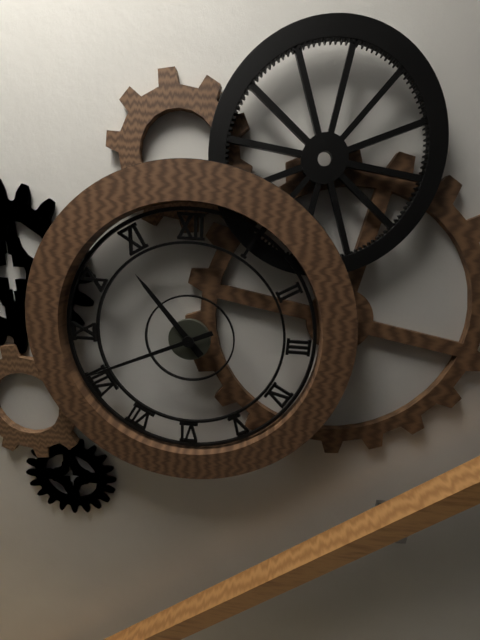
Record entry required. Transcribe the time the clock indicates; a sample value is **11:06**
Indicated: **10:41**
